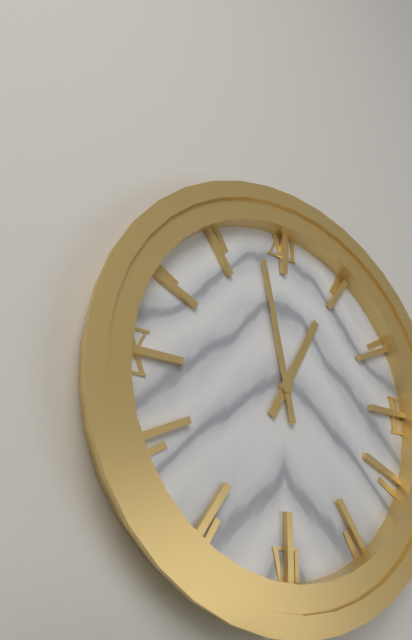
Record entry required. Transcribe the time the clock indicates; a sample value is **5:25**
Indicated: **12:58**
